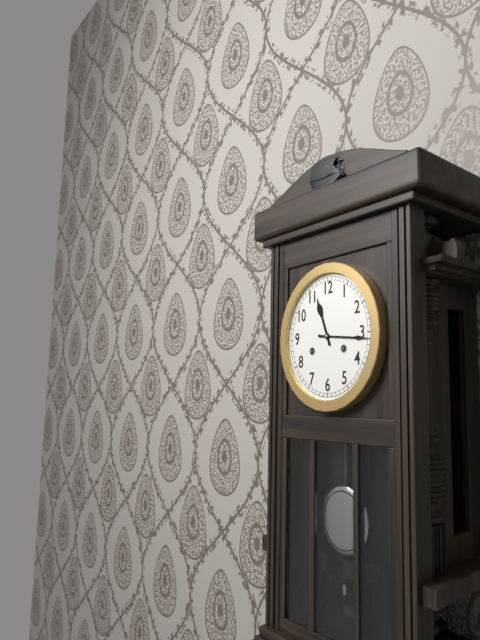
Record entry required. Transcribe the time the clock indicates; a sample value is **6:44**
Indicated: **11:16**
